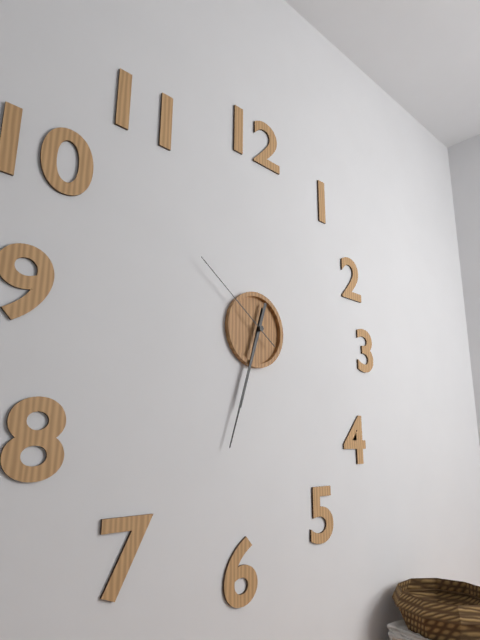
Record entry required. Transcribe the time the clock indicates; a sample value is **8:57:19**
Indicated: **6:33:51**
